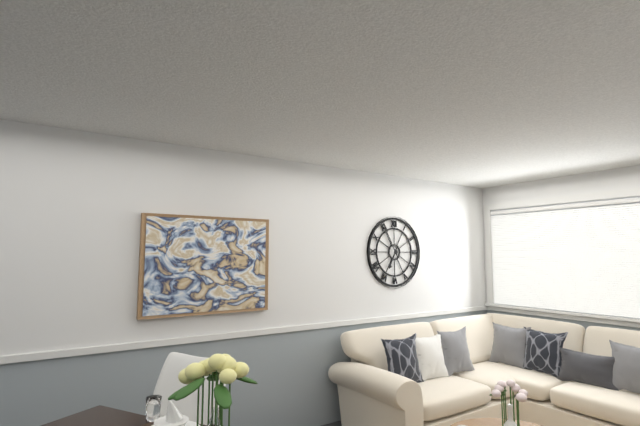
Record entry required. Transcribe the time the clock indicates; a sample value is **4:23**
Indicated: **6:55**
